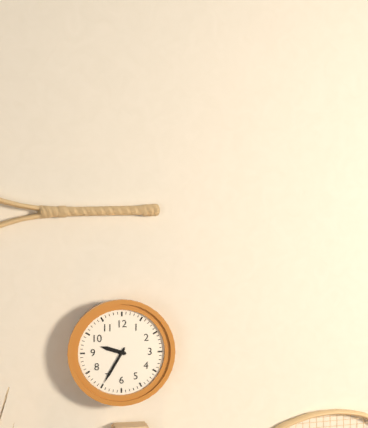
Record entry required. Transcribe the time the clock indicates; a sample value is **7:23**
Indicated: **9:35**
